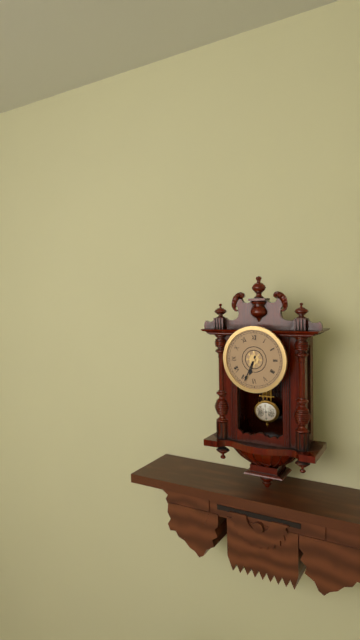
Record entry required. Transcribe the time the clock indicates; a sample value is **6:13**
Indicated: **6:34**
